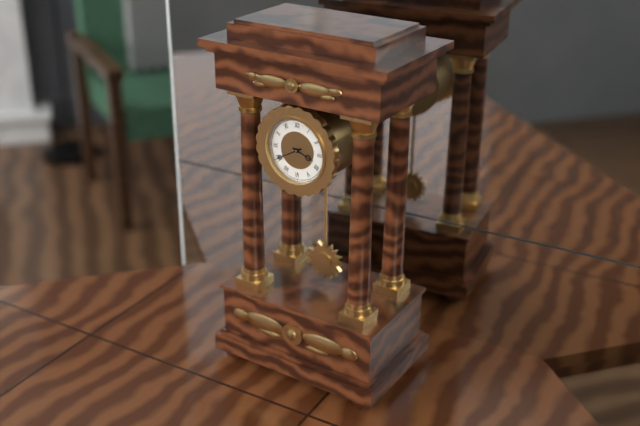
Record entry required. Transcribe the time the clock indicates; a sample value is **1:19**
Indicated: **3:40**
